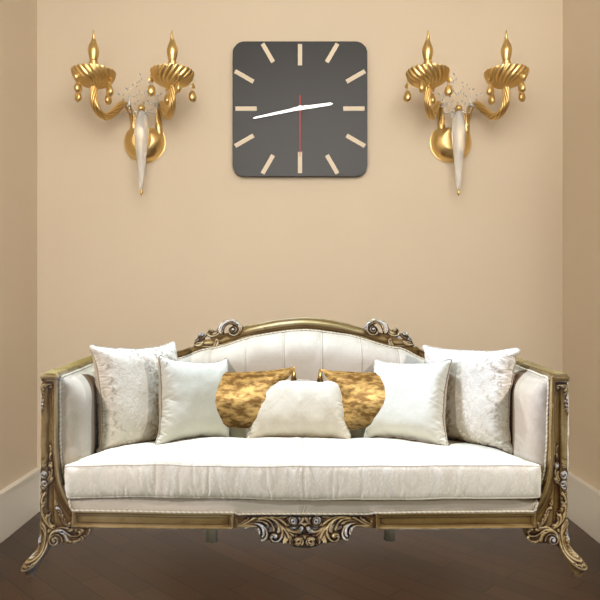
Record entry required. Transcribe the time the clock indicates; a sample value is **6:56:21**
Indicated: **2:43:30**
